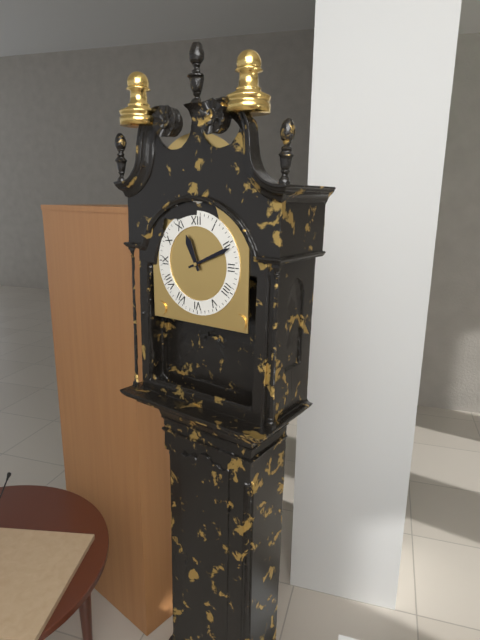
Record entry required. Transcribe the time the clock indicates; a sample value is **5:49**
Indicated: **11:11**
